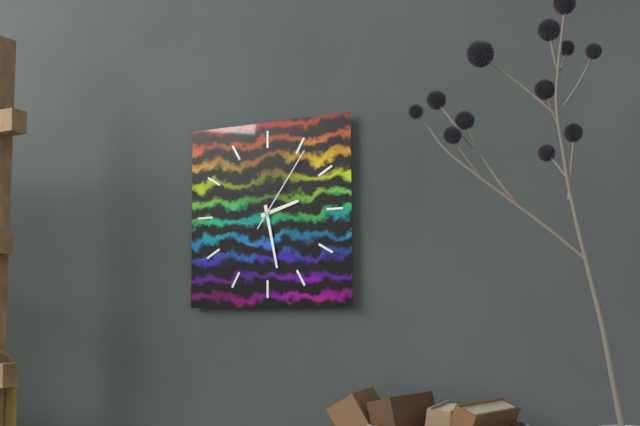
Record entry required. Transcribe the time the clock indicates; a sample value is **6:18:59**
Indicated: **2:28:06**
